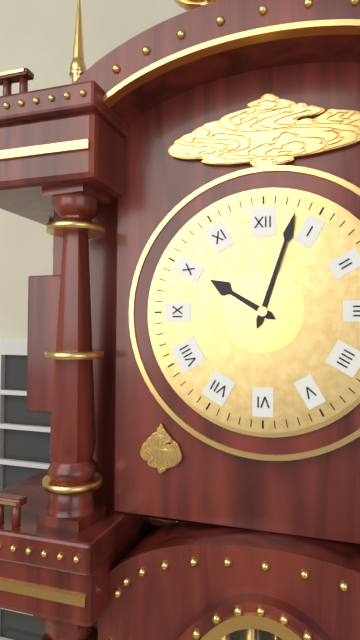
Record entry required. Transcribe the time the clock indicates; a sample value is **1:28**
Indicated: **10:03**
